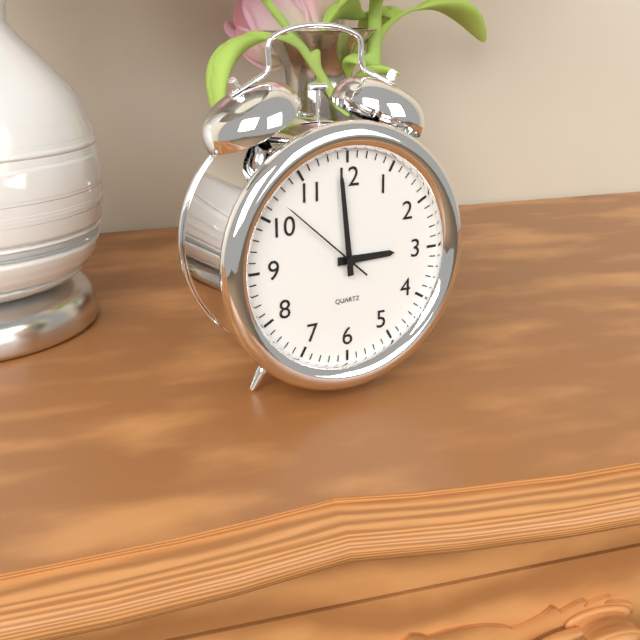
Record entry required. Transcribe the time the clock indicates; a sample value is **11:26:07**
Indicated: **2:59:52**
